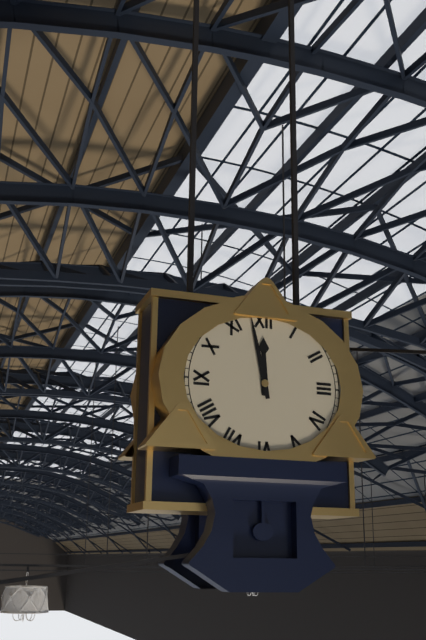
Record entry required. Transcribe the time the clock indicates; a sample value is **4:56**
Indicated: **11:58**
